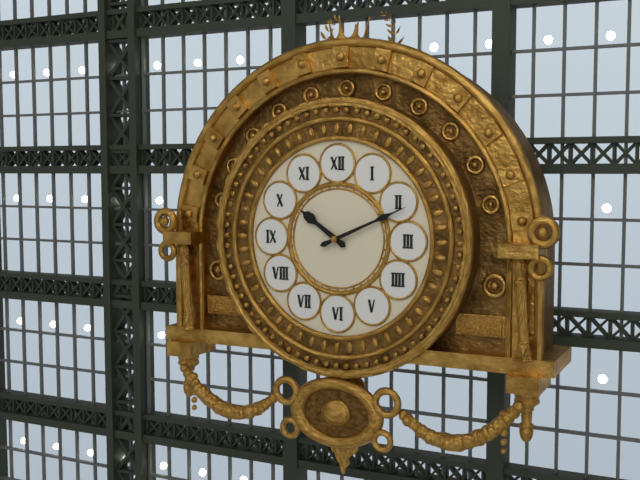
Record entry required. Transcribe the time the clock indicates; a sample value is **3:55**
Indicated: **10:11**
